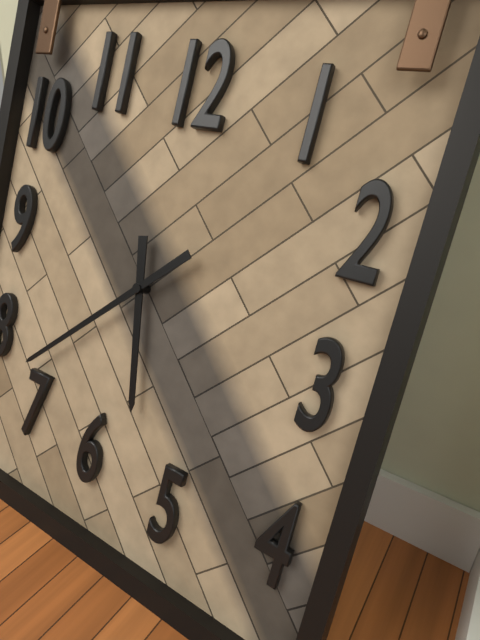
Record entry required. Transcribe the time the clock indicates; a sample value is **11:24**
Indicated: **5:38**
